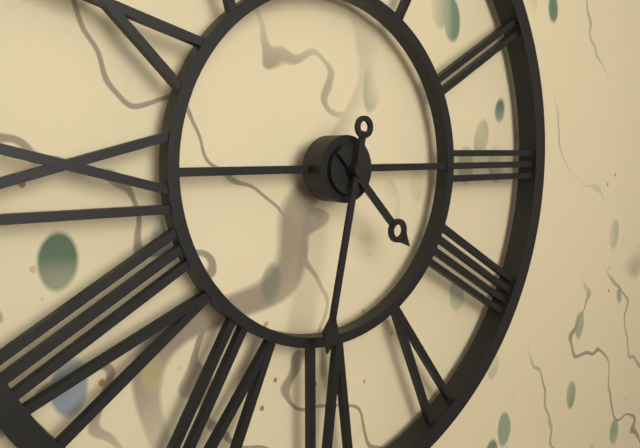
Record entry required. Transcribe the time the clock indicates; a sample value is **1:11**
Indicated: **4:32**
